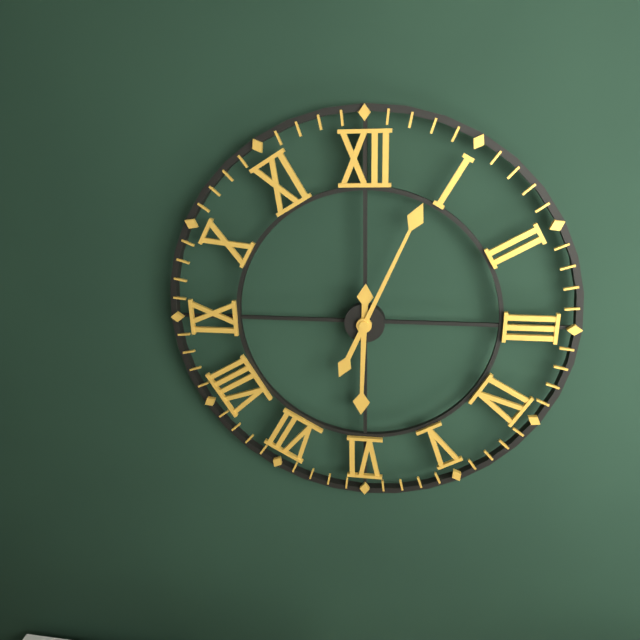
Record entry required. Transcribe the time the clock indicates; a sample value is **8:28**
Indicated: **6:04**
